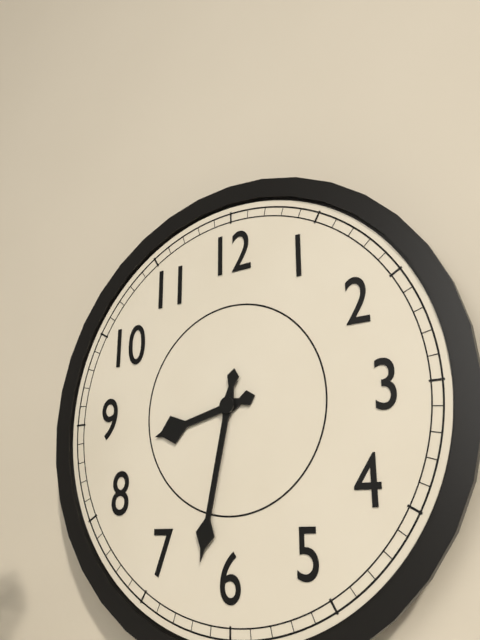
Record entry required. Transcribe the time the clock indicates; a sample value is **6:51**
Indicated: **8:32**
